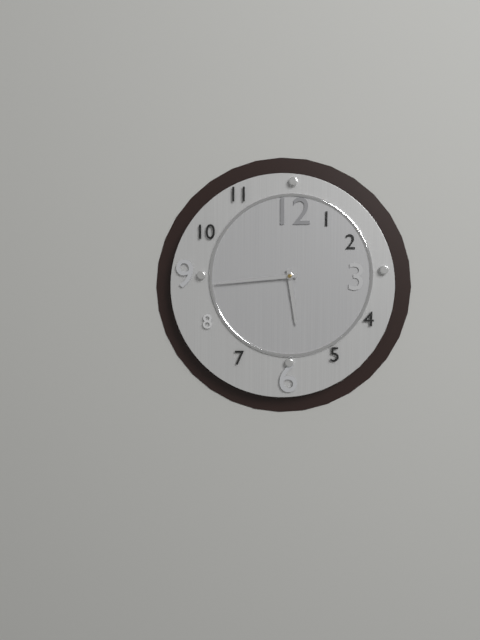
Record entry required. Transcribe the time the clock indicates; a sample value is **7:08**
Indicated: **5:44**
